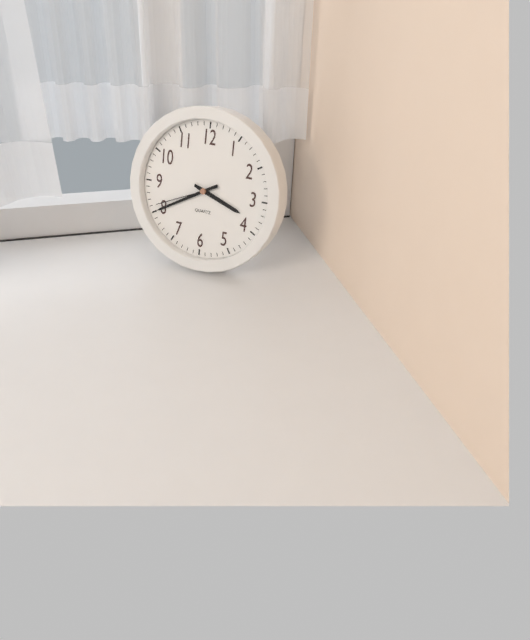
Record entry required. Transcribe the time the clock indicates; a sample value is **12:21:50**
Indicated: **3:40:41**
